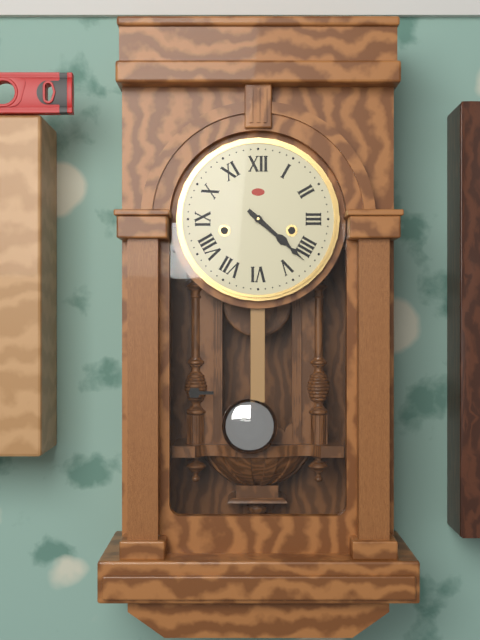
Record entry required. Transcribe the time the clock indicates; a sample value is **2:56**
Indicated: **4:22**
